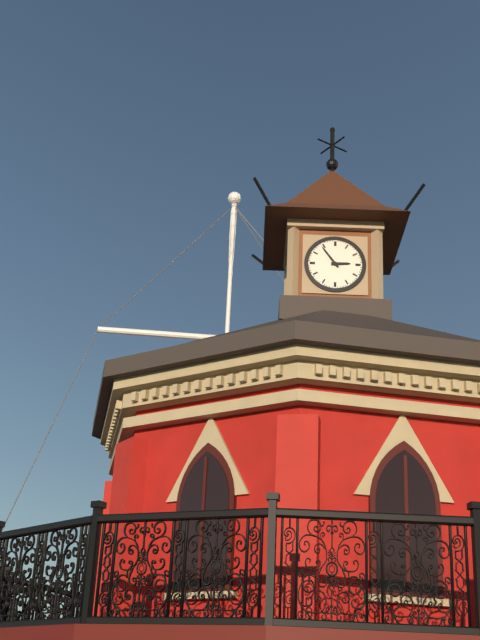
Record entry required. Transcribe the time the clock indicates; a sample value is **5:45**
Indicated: **2:54**
